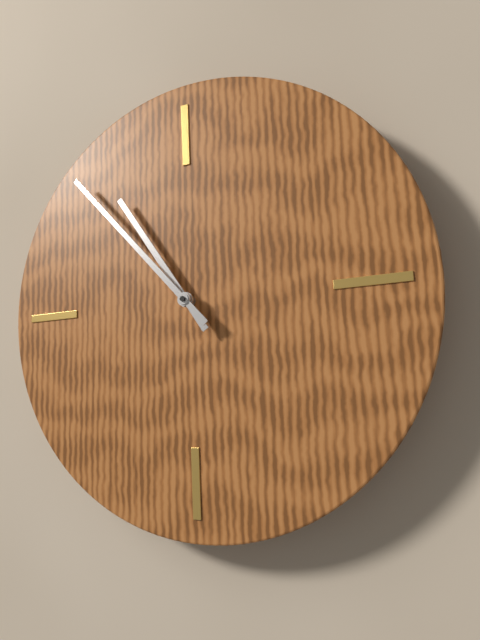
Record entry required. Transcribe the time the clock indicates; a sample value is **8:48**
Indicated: **10:53**
